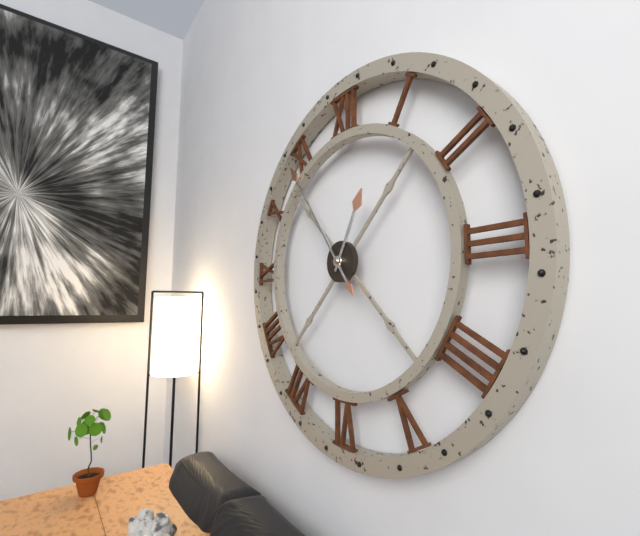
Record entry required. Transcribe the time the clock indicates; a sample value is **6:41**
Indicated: **12:54**
